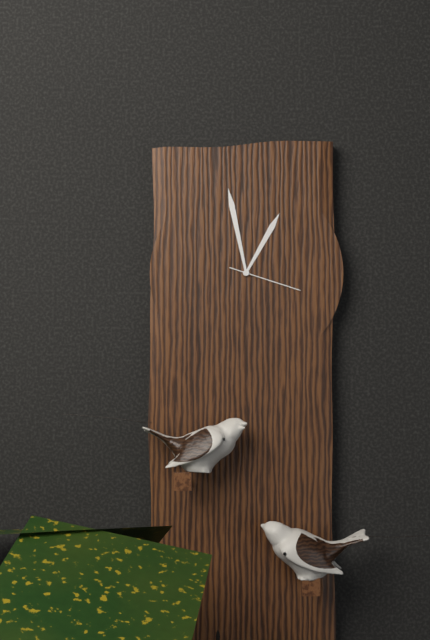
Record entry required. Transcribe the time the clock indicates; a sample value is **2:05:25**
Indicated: **12:58:18**
